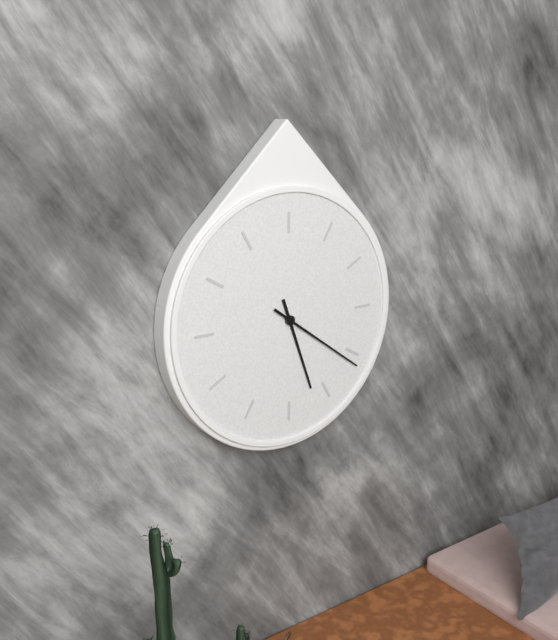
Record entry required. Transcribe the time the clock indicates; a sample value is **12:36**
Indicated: **5:21**
